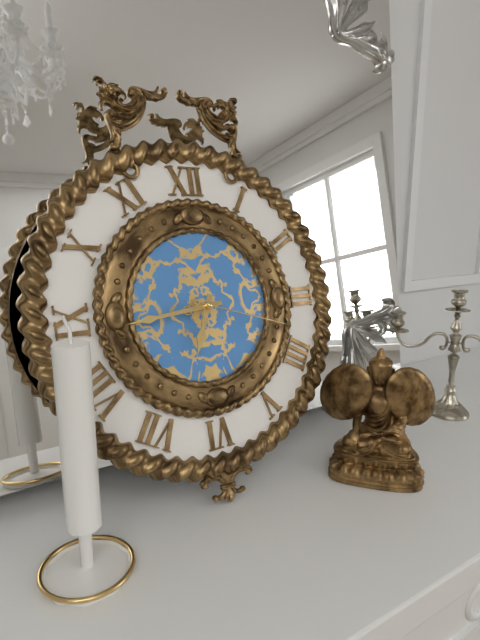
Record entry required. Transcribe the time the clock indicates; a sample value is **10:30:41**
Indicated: **6:44:18**
